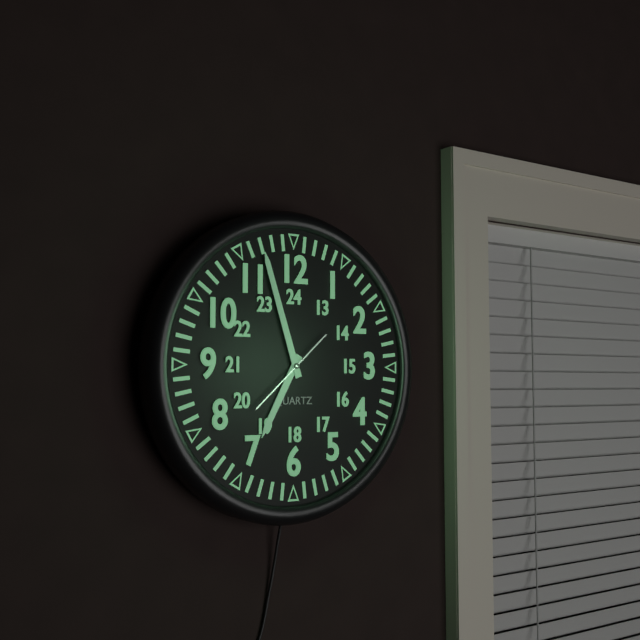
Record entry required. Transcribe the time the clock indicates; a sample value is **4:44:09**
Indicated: **6:57:38**
